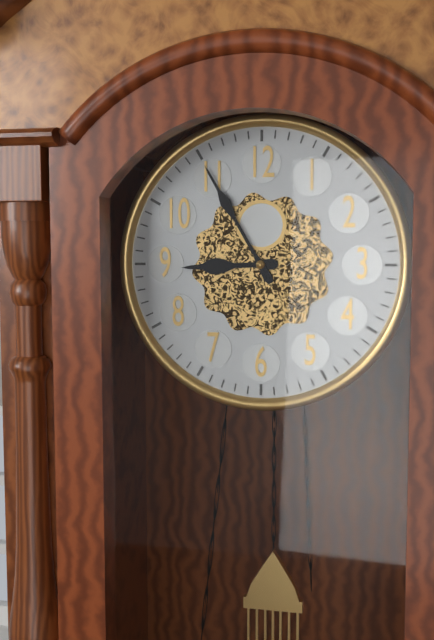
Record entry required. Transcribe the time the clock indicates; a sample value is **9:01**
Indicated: **8:55**
